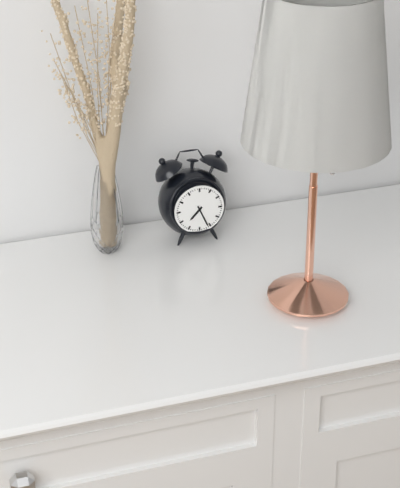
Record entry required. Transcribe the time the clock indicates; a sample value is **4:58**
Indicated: **7:26**
